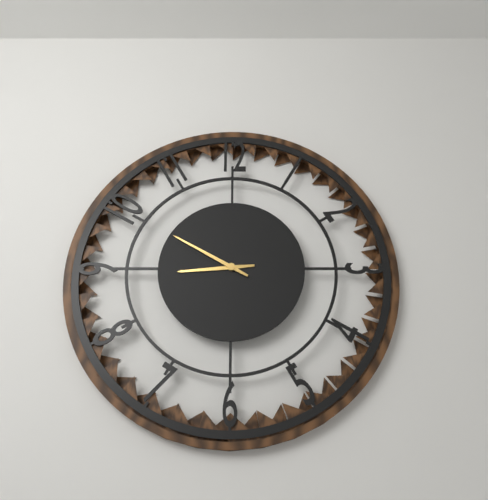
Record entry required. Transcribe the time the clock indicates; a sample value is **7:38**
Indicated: **8:50**
